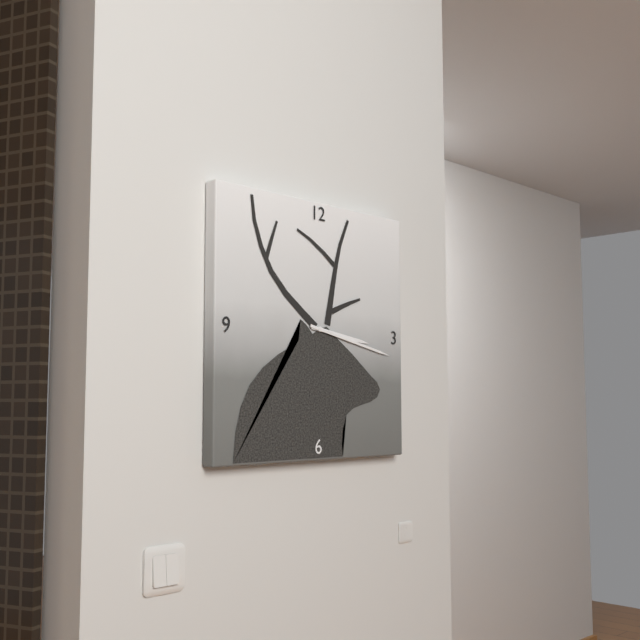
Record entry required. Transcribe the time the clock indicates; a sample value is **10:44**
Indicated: **3:17**
